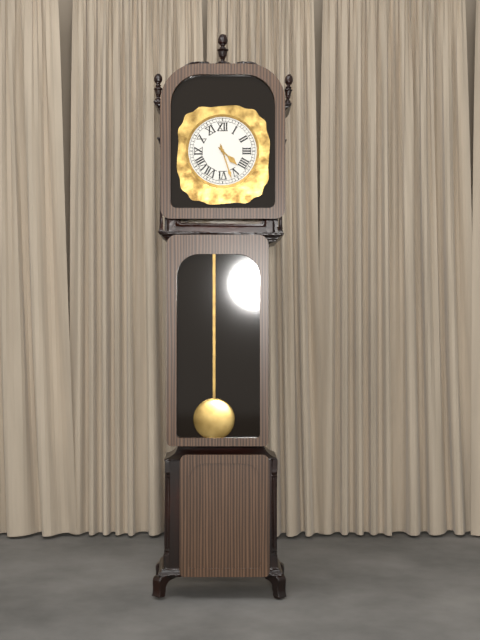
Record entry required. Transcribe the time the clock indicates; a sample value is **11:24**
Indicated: **4:27**
